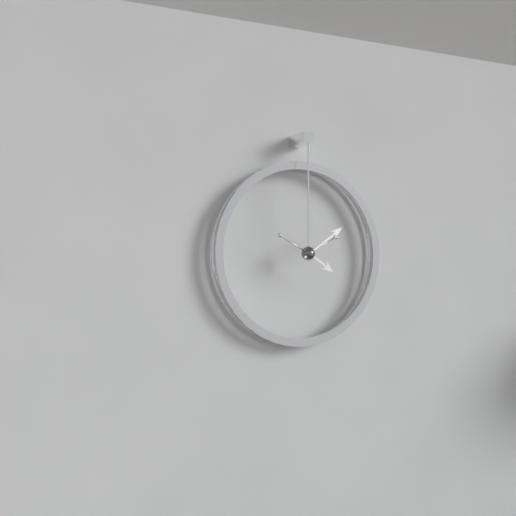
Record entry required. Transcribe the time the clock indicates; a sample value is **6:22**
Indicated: **4:09**
